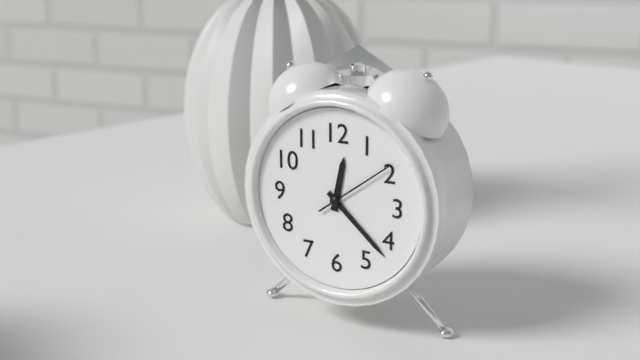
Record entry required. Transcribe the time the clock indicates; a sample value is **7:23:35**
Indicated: **12:22:09**
